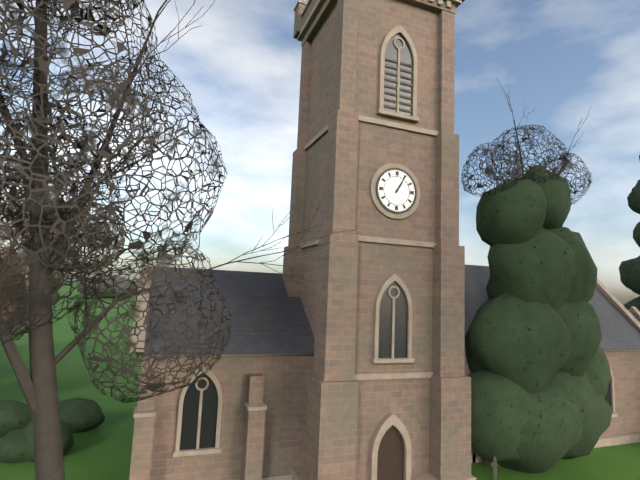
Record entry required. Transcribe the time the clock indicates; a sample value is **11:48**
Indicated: **1:05**
